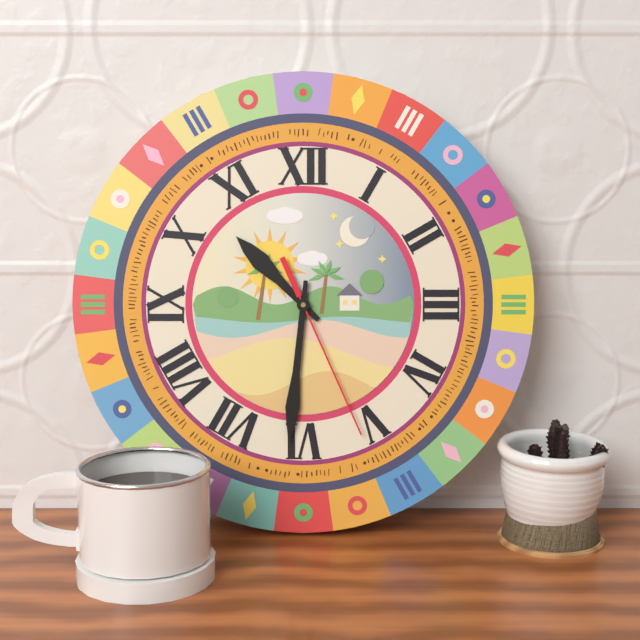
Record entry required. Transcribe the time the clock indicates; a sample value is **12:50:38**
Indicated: **10:31:26**
